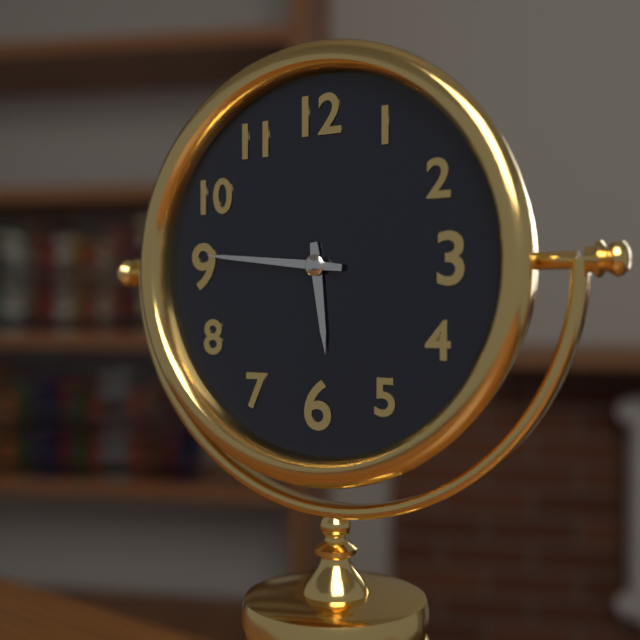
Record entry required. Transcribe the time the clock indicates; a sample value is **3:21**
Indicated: **5:46**
